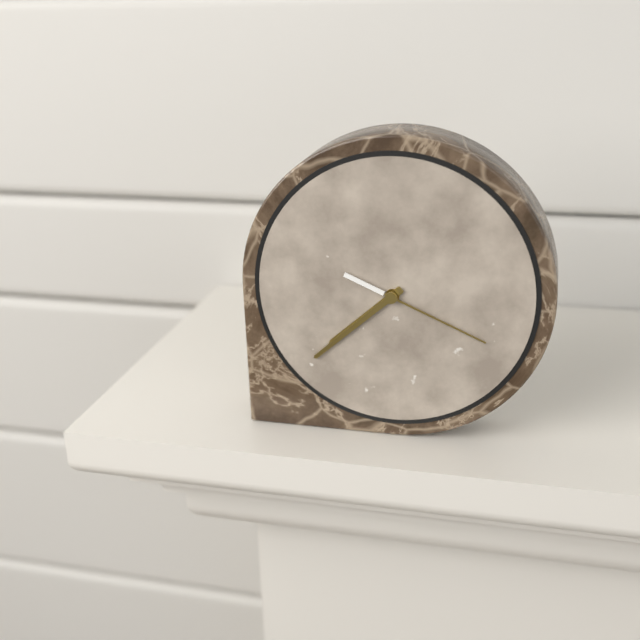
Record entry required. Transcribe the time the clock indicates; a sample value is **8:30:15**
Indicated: **7:38:19**
